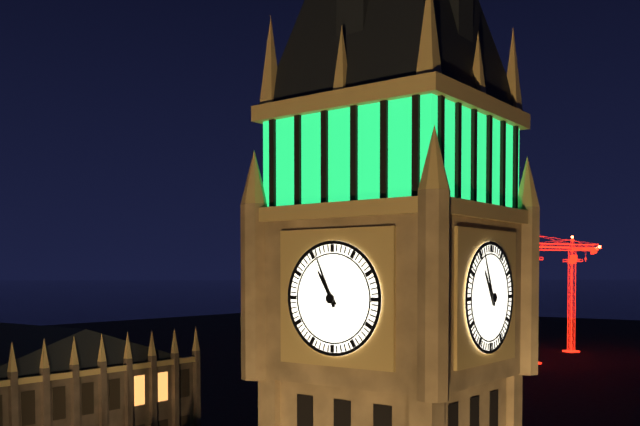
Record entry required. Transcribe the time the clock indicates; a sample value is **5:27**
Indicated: **10:56**
